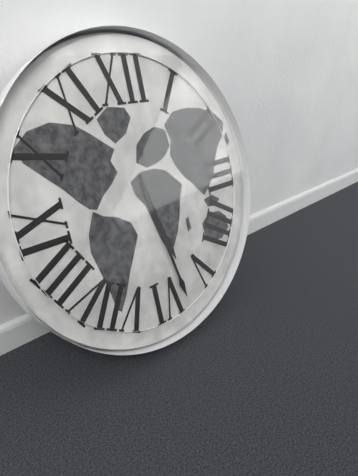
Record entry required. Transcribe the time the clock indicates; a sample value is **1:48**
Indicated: **5:28**
